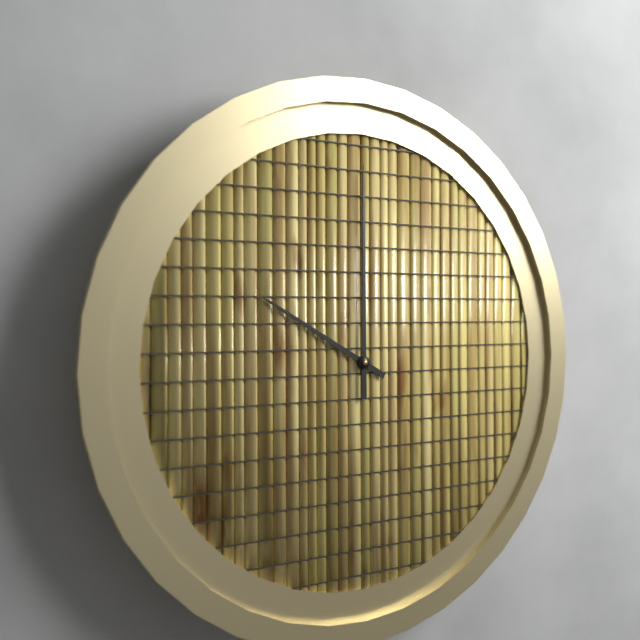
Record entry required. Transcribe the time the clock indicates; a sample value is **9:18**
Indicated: **10:00**
